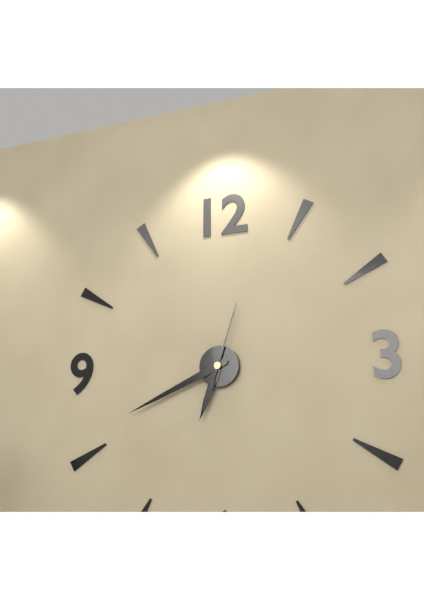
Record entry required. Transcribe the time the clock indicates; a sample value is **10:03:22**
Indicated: **6:41:03**
